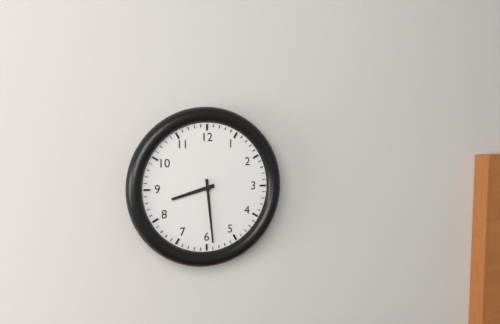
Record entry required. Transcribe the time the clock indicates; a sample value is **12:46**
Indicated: **8:29**
